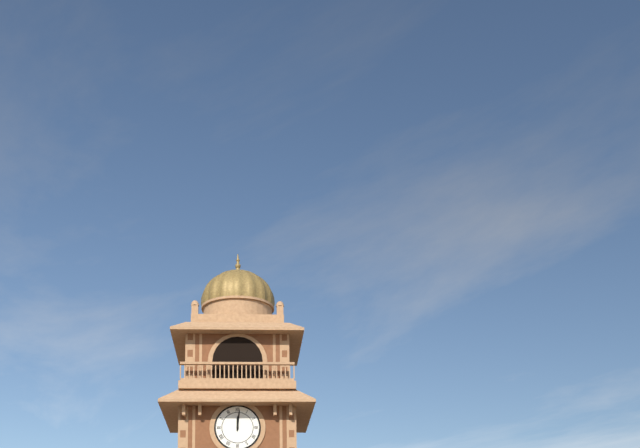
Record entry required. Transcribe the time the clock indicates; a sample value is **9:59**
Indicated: **12:01**
